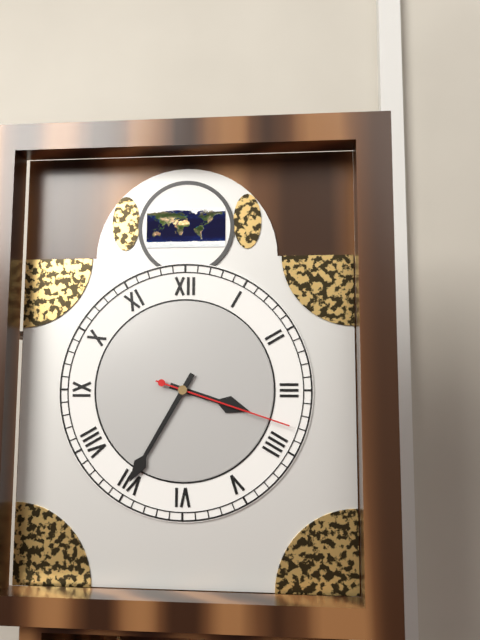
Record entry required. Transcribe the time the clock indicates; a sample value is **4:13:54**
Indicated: **3:35:18**
